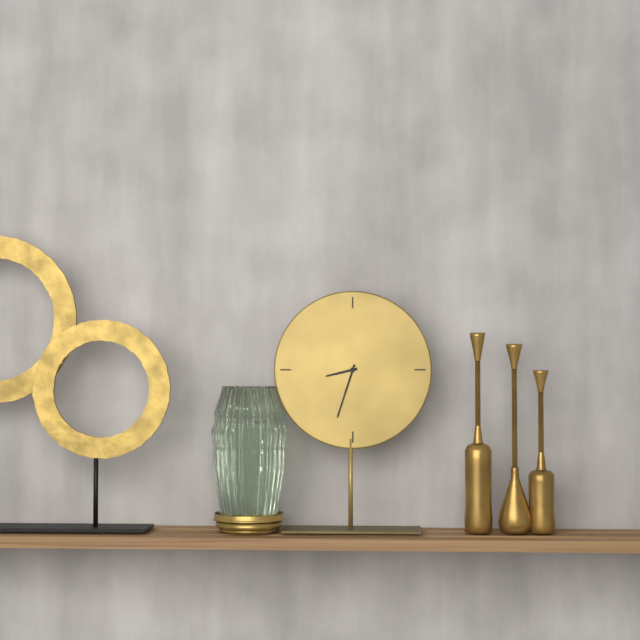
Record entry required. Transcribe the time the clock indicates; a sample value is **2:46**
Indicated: **8:33**
